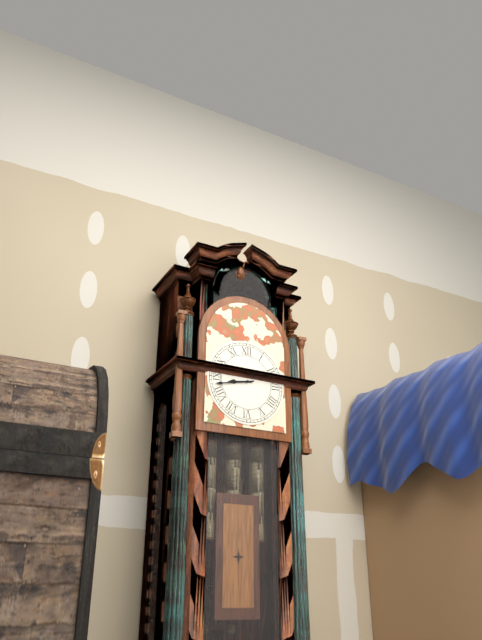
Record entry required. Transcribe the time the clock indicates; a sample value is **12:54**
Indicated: **8:43**
